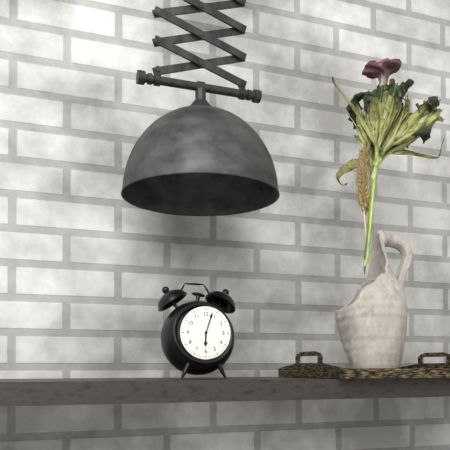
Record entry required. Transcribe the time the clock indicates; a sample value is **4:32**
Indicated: **6:03**
